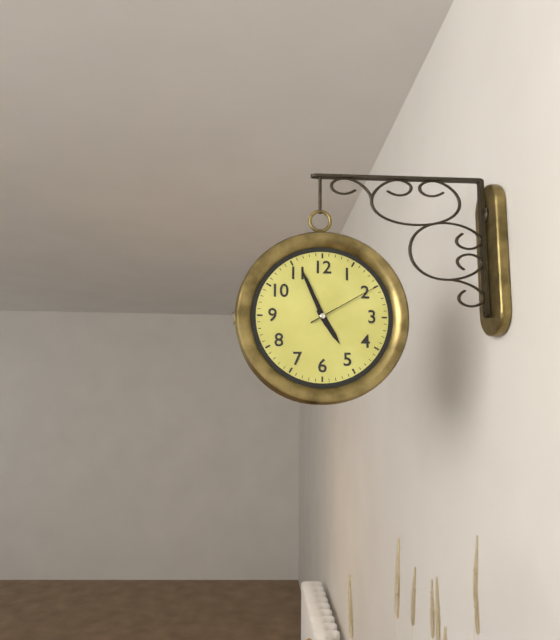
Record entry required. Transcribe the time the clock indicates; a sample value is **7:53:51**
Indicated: **4:56:10**
